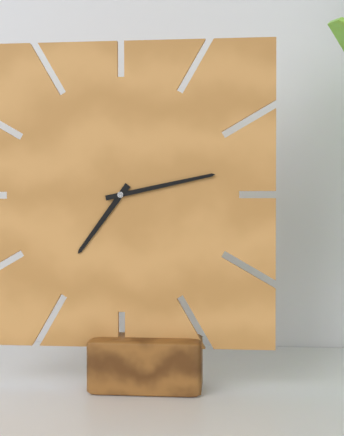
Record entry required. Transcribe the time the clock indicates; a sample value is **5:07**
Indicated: **7:13**
